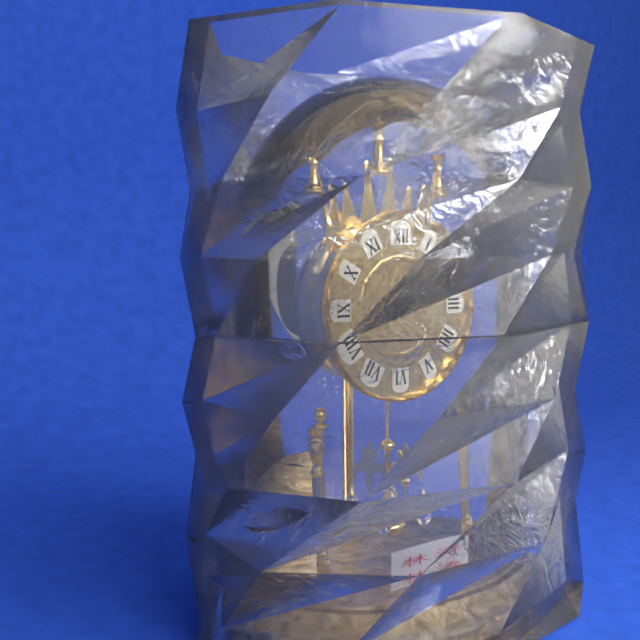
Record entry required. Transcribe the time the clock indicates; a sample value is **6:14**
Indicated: **1:11**
